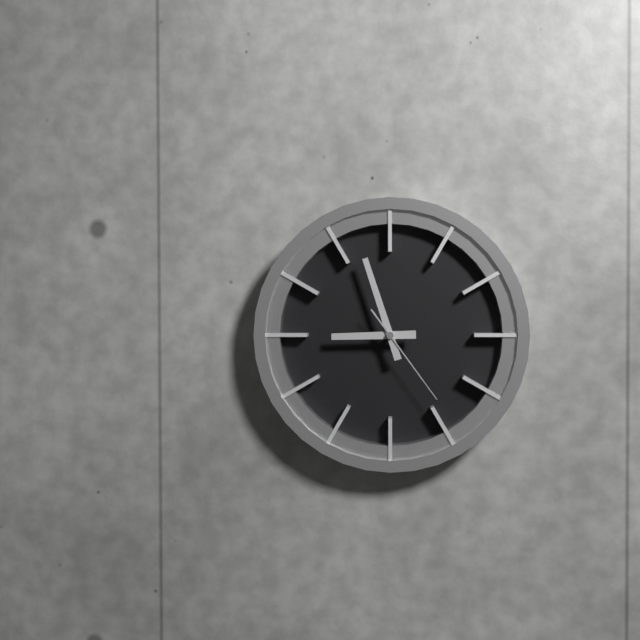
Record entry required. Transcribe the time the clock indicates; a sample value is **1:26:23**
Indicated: **8:57:24**
